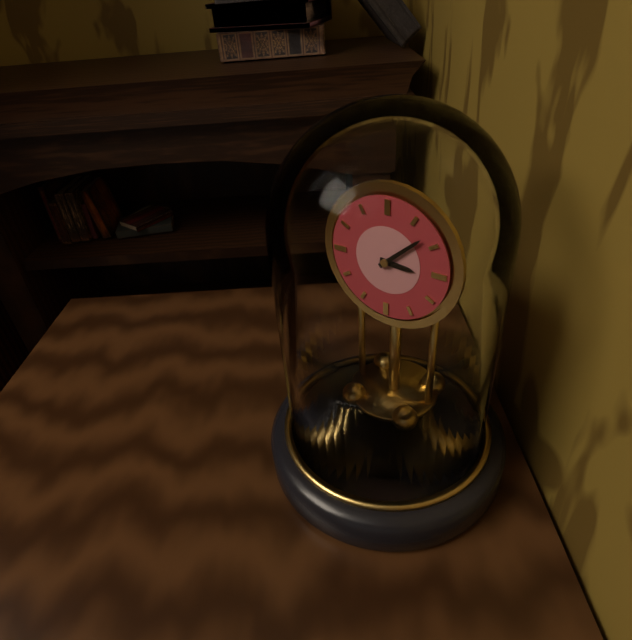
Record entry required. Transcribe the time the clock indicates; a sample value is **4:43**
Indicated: **3:08**
